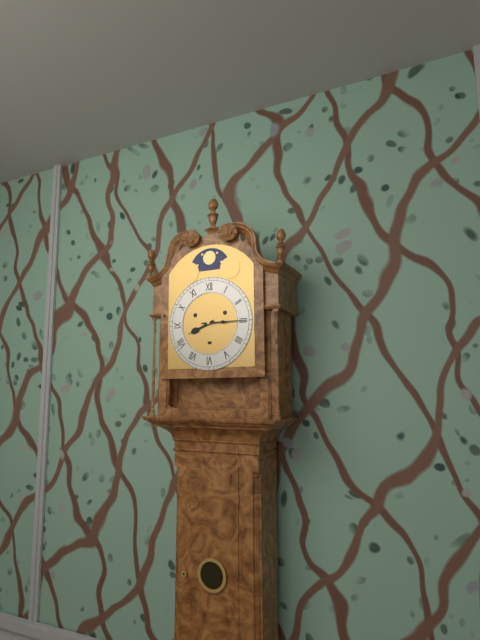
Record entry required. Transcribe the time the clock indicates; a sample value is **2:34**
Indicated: **8:15**
